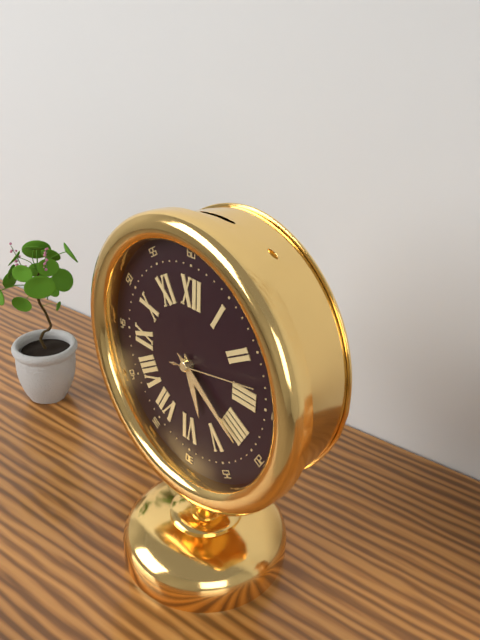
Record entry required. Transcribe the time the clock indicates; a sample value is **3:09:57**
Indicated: **5:21:13**
